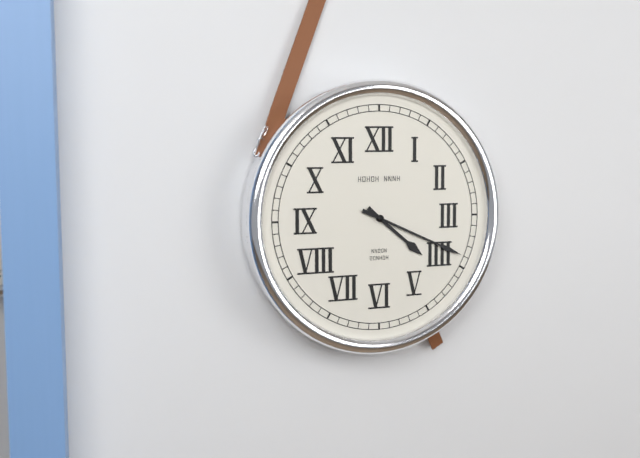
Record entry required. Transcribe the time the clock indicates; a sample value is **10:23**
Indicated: **4:19**
